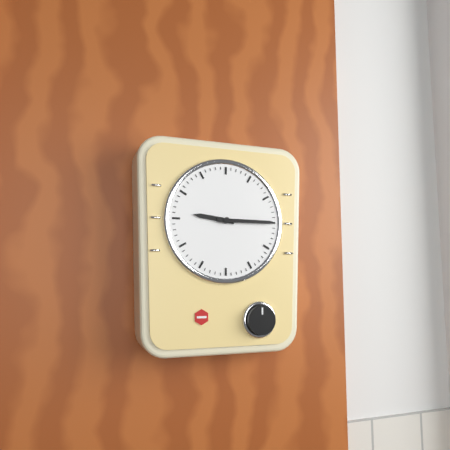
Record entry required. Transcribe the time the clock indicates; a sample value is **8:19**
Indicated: **9:15**
